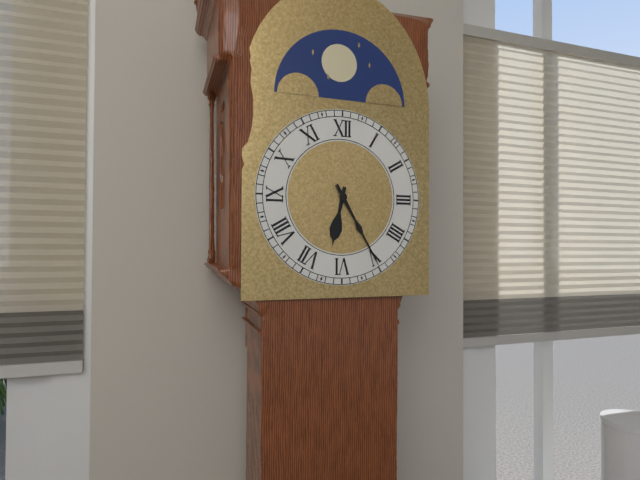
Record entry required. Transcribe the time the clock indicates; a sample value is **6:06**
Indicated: **6:25**
